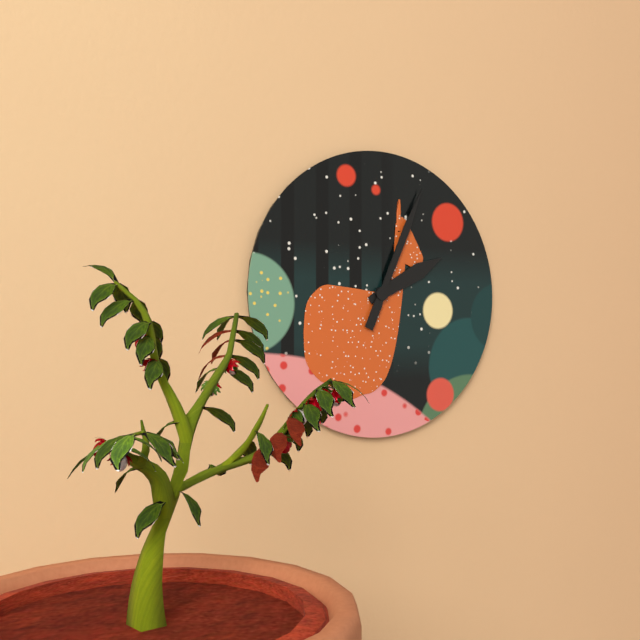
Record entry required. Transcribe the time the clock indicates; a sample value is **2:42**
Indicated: **2:04**
